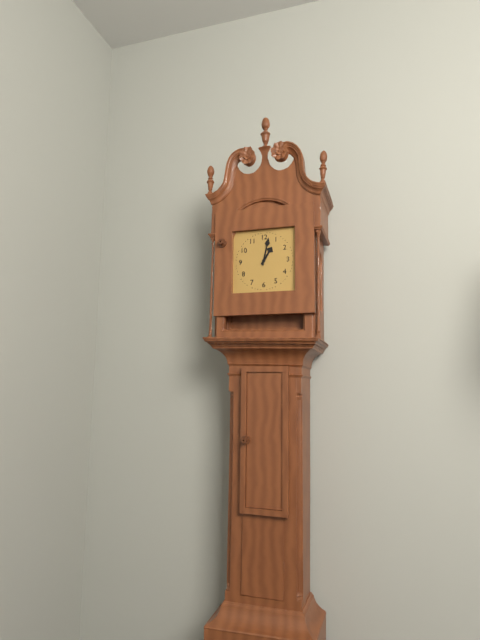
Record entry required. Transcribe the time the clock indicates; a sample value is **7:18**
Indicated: **1:02**
